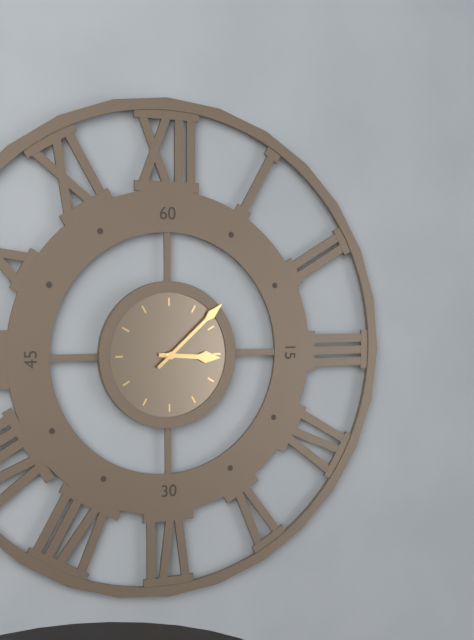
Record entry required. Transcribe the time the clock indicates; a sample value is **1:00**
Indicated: **3:08**
